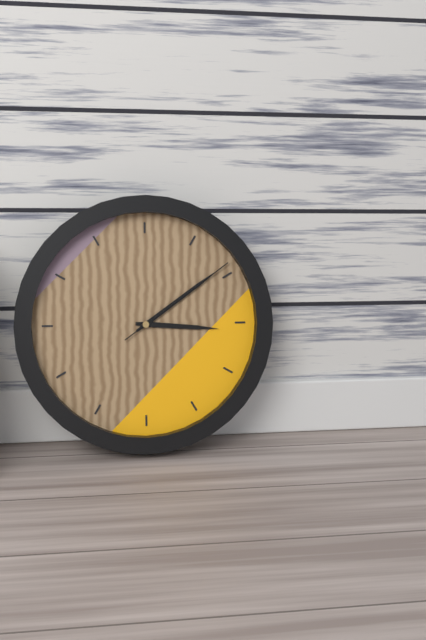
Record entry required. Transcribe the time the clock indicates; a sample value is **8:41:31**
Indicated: **3:09:09**
